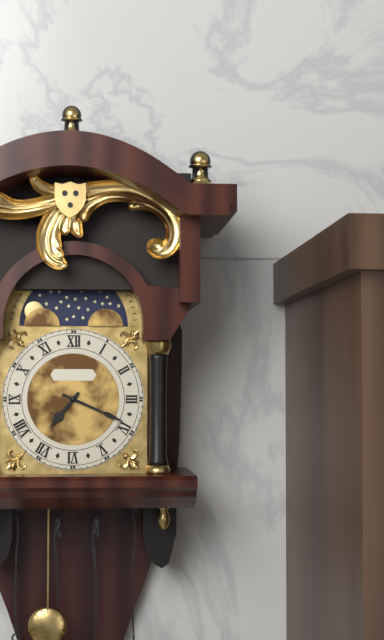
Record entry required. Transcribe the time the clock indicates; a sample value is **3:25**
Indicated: **7:19**
